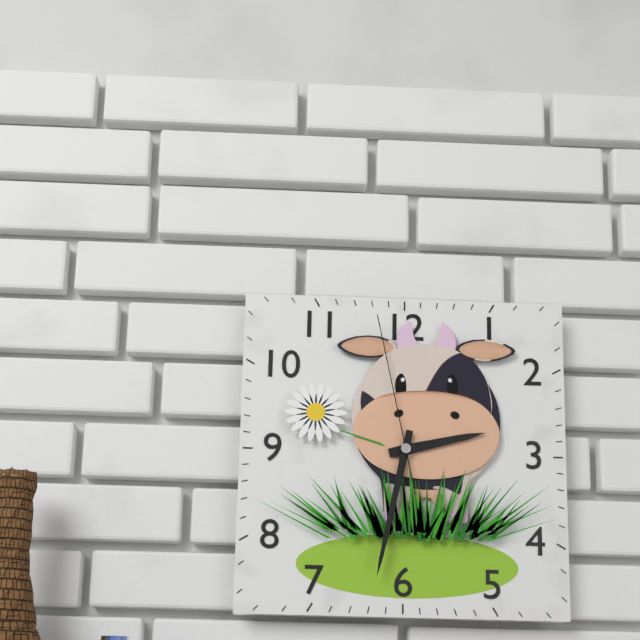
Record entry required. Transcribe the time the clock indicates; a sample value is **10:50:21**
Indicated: **2:32:58**
